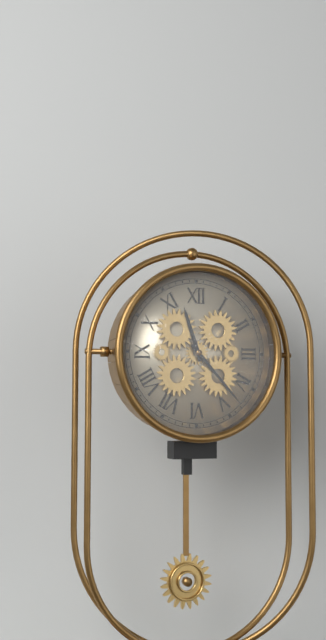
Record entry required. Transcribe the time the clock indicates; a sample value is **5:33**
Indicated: **11:23**
